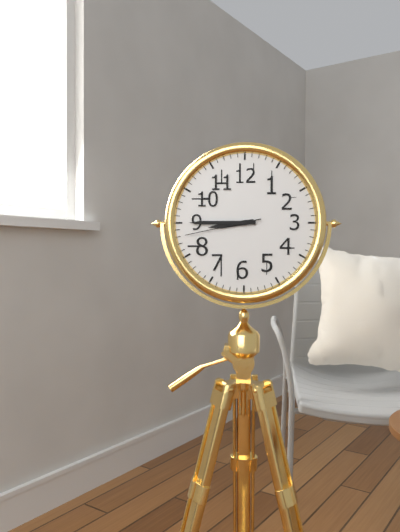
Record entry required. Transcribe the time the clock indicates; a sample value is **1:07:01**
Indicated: **8:45:43**
